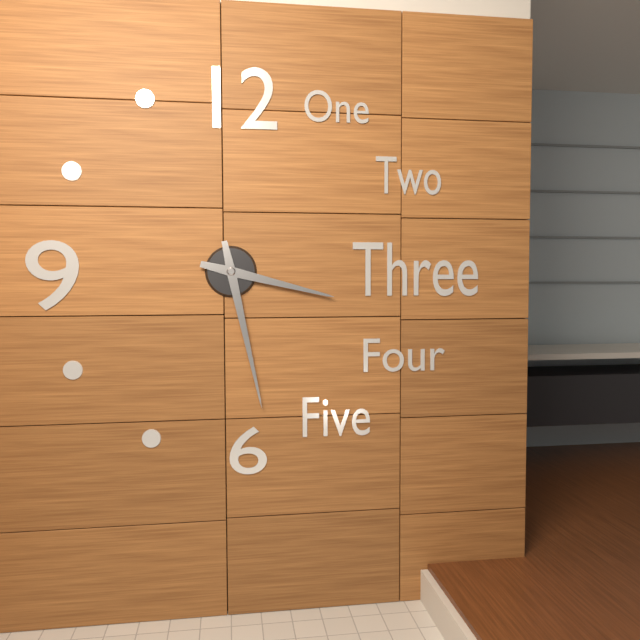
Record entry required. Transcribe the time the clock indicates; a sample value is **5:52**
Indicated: **3:28**
